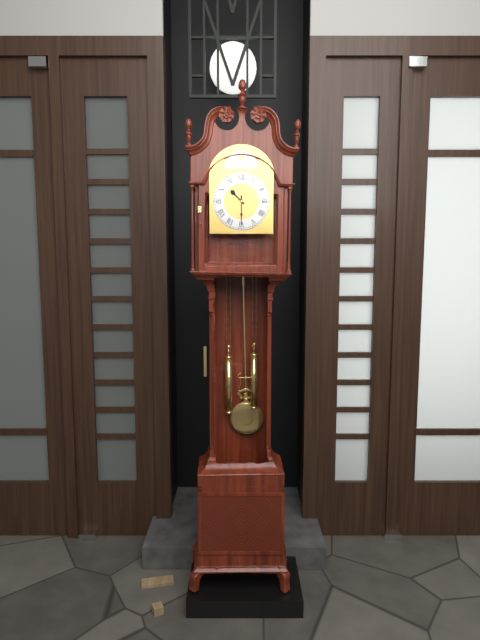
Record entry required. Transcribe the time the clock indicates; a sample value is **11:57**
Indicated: **10:30**
